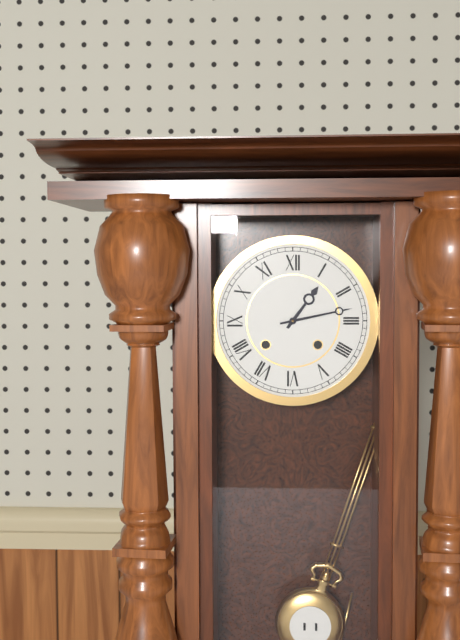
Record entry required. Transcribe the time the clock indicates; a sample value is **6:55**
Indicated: **1:13**
